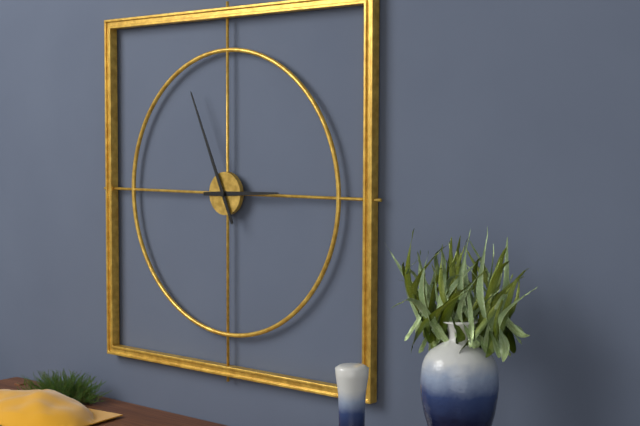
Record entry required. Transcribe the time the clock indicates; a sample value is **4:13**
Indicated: **2:56**
